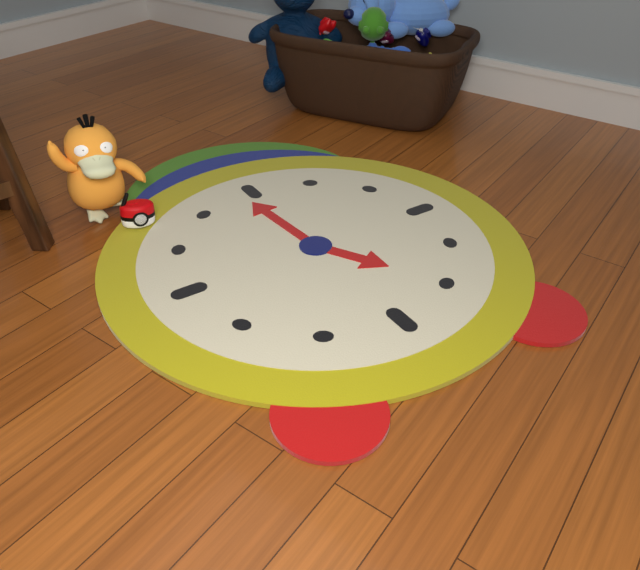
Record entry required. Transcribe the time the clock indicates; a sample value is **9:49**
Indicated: **4:59**
